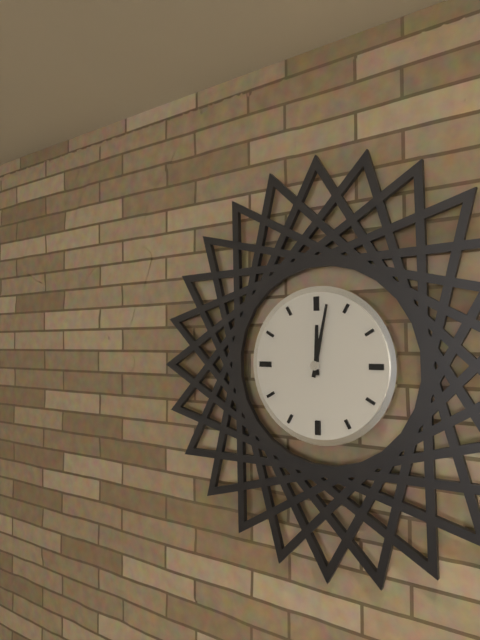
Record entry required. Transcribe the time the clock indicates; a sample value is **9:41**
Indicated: **12:02**
